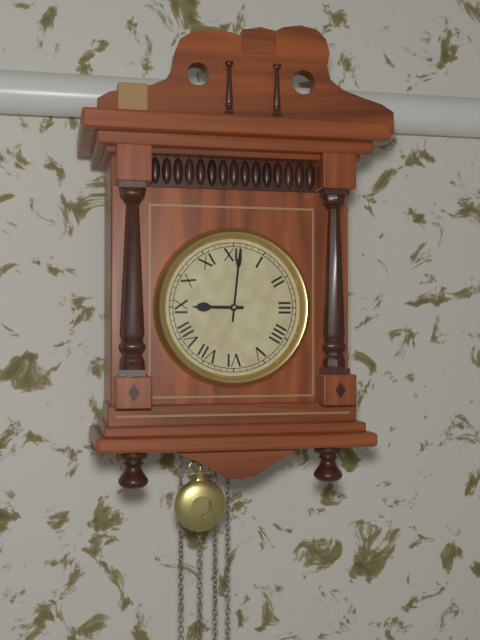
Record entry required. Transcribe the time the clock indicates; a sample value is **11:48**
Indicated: **9:01**
